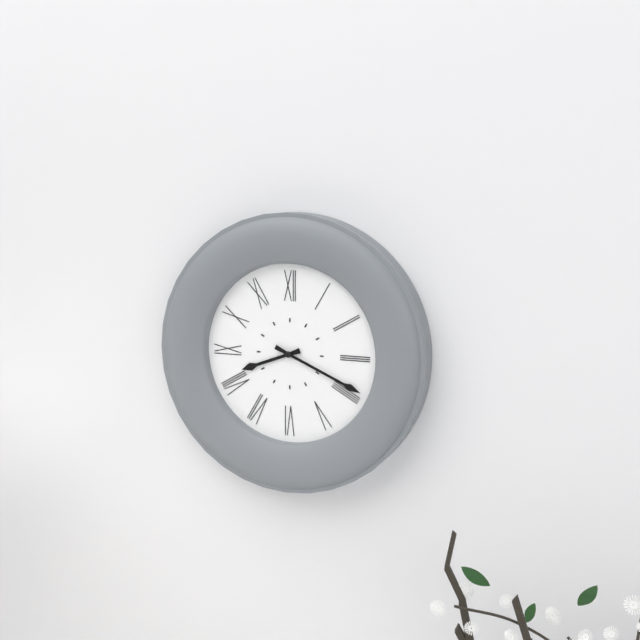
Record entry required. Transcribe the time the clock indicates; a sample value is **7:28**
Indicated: **8:19**
